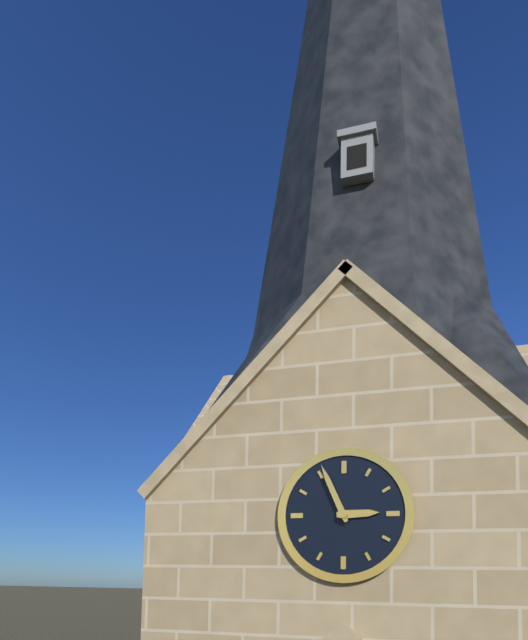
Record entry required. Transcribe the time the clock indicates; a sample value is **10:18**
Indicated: **2:56**
